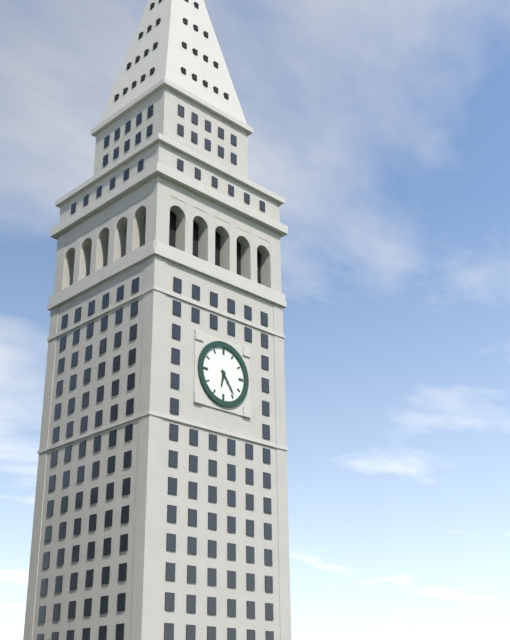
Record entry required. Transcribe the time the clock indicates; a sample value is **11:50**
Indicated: **6:24**
